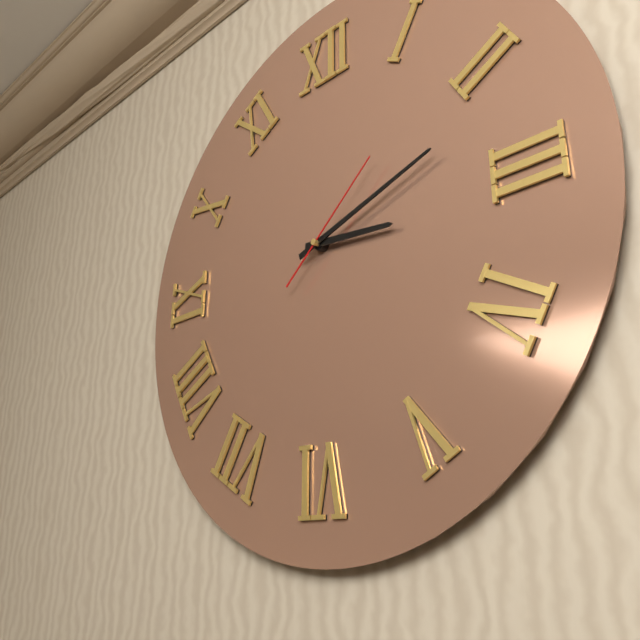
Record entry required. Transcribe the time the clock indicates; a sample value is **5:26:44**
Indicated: **3:12:08**
